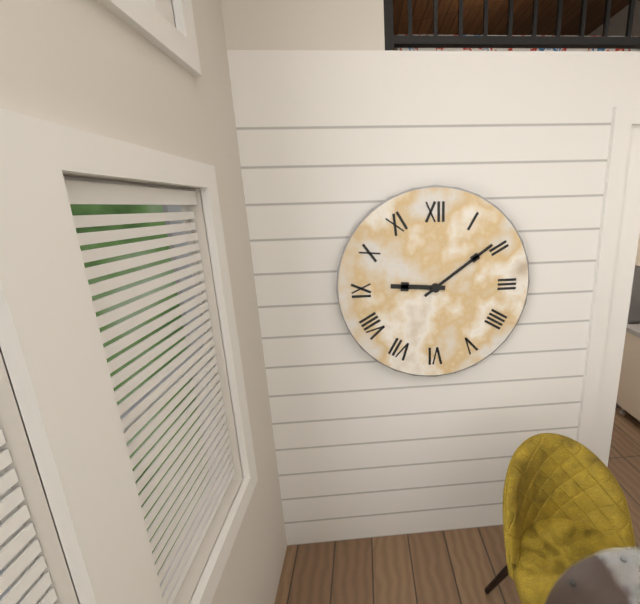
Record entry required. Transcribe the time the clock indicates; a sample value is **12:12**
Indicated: **9:09**
